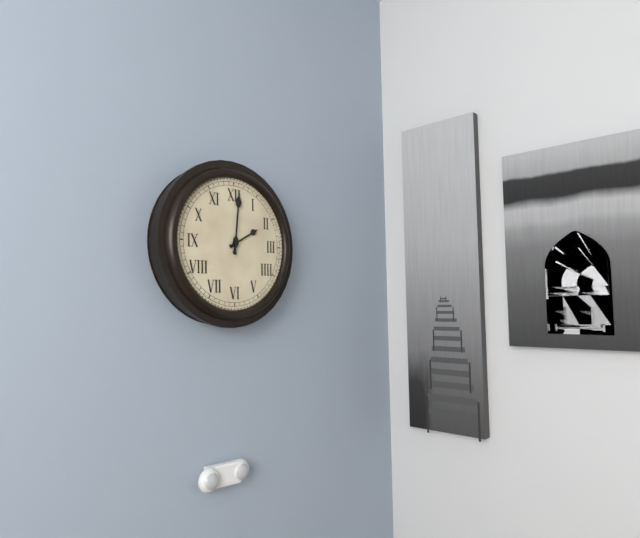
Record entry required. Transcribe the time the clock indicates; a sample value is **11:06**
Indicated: **2:01**
